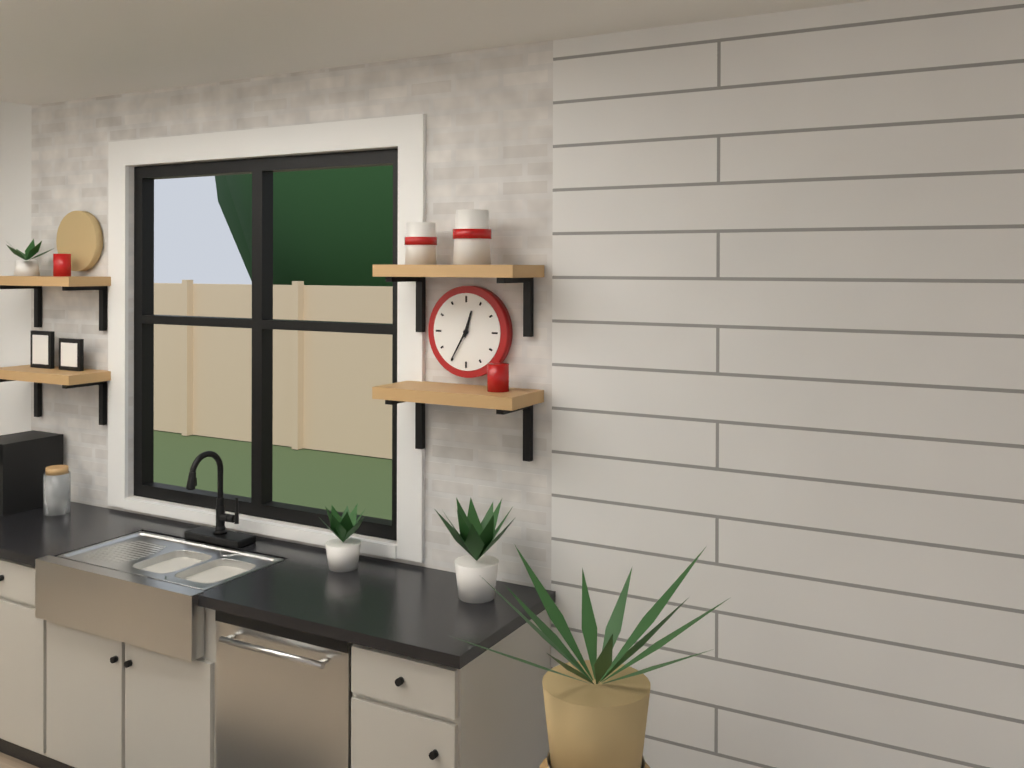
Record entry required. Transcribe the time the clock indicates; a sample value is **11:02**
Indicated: **12:35**
